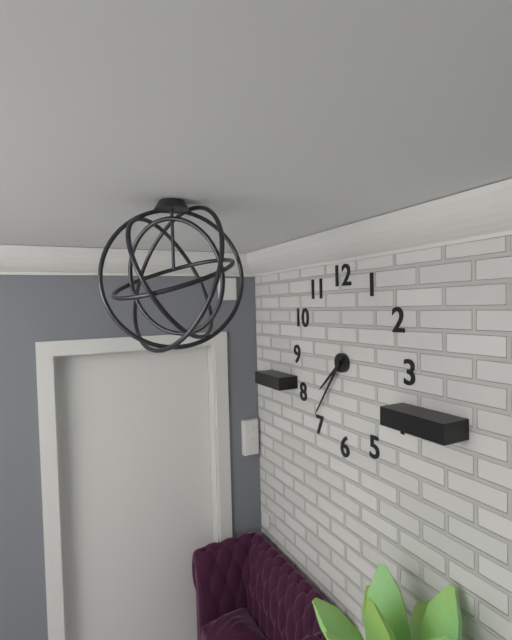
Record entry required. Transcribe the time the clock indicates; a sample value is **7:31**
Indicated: **7:36**
